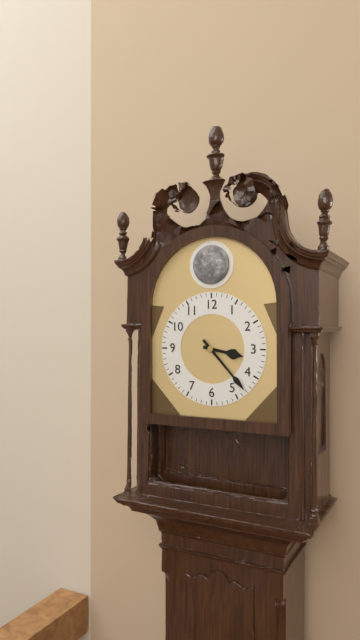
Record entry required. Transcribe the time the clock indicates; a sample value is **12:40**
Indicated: **3:23**
